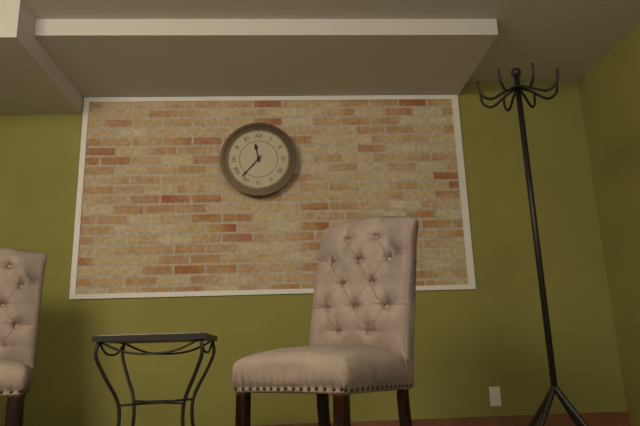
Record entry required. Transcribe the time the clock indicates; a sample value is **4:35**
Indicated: **11:37**
